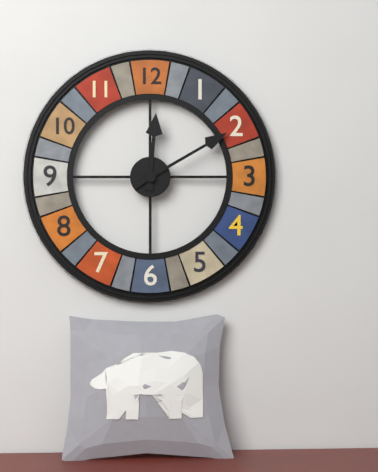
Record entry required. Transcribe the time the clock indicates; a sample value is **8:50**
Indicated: **12:10**
